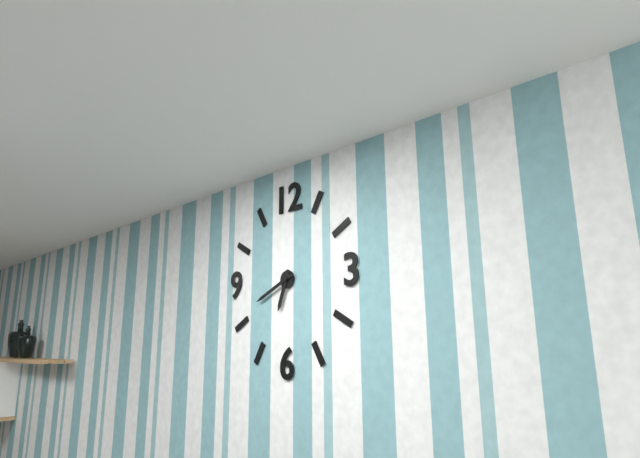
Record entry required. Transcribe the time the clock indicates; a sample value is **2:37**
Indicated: **6:41**
